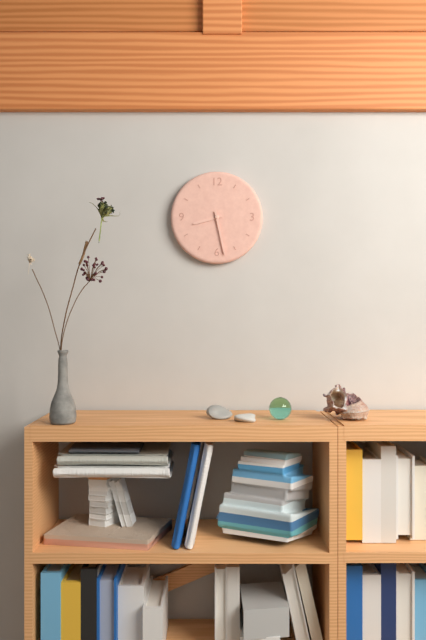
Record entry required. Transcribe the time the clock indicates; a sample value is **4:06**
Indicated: **8:28**
